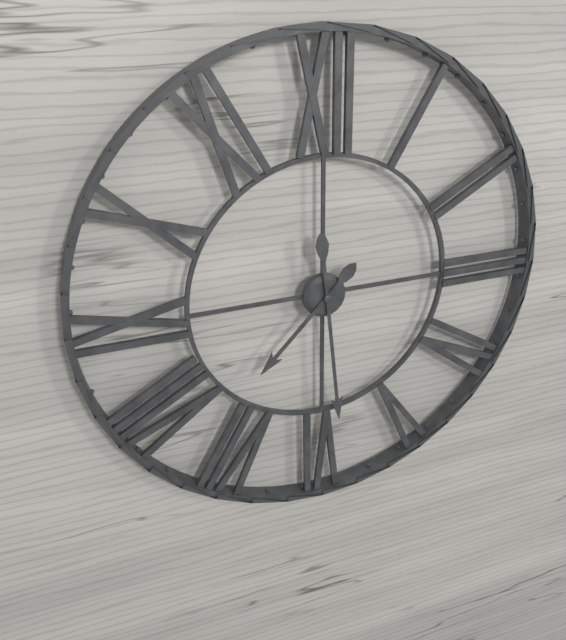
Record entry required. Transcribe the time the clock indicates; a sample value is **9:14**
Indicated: **7:29**
